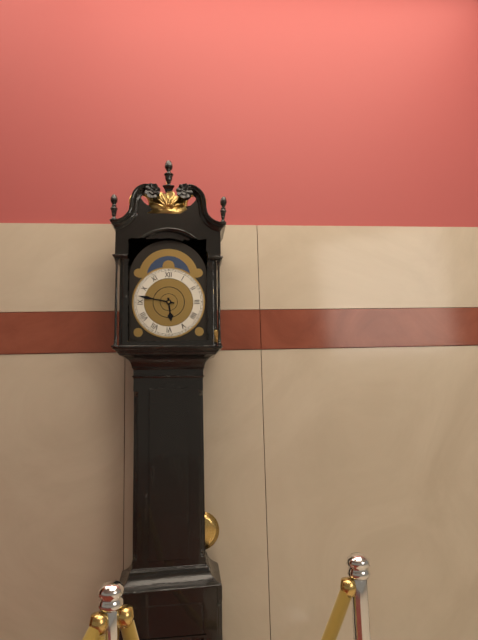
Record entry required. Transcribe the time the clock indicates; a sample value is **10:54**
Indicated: **5:47**
